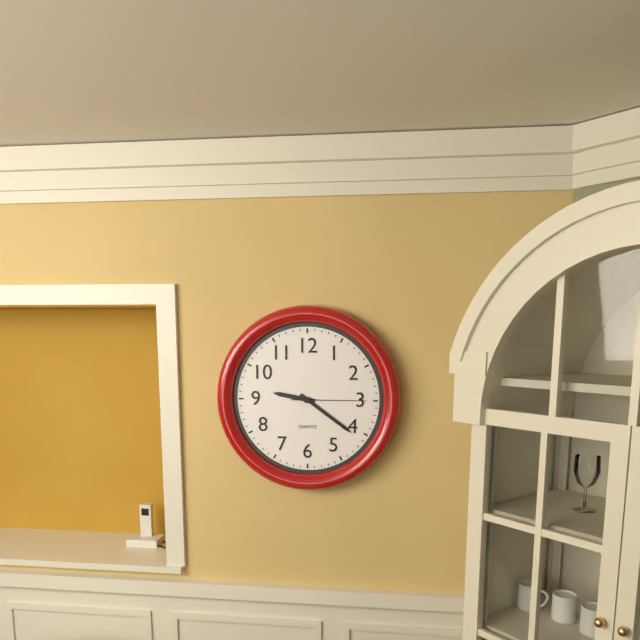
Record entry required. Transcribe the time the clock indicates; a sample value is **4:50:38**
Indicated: **9:21:15**
